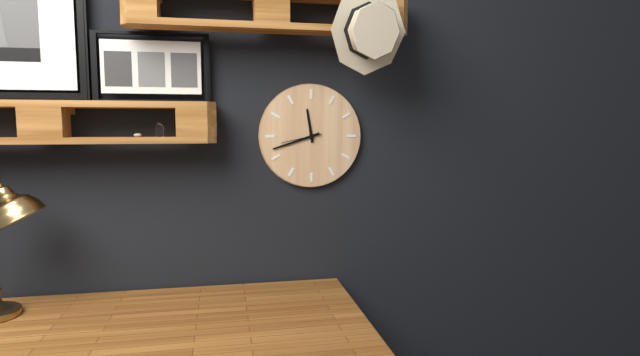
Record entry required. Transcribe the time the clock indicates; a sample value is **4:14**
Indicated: **11:42**
